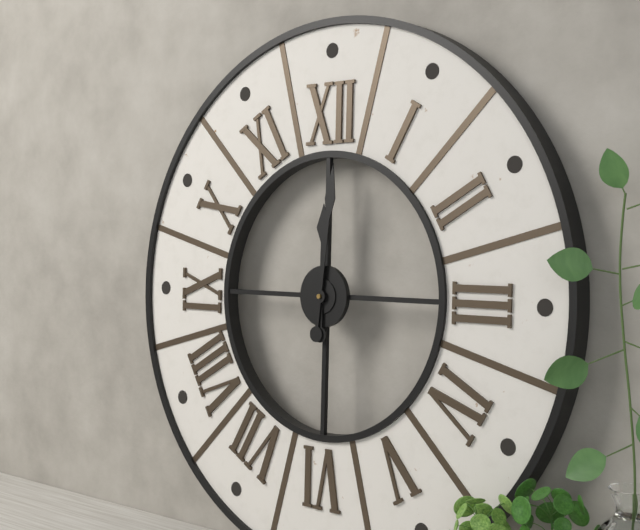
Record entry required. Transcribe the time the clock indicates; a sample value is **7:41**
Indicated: **12:01**
